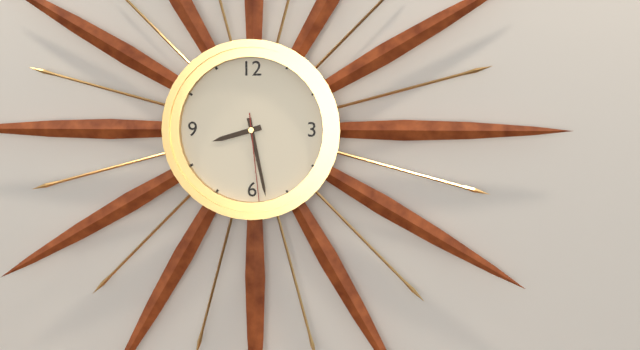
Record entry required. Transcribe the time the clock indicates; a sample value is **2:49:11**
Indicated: **8:28:29**
